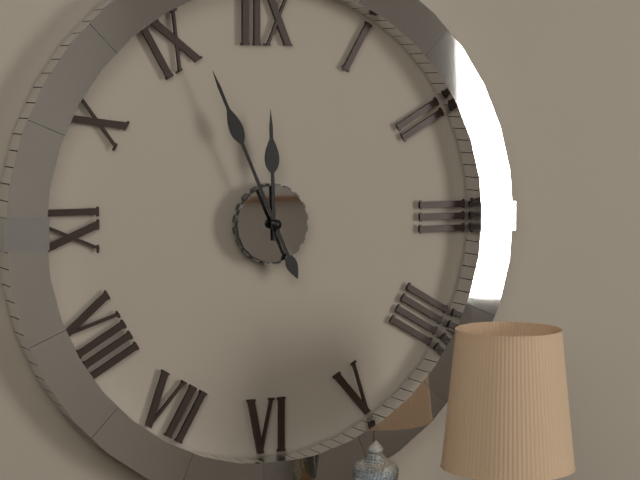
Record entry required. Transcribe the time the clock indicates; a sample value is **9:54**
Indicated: **11:56**
